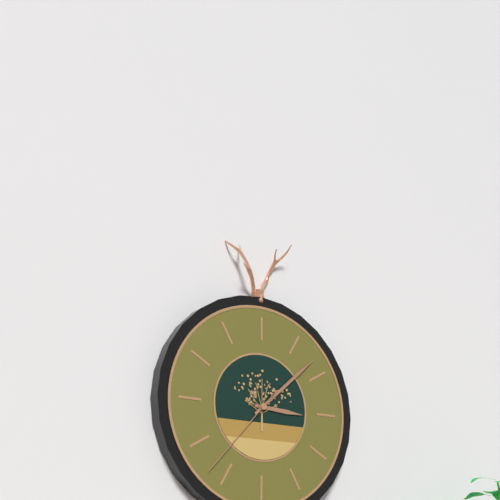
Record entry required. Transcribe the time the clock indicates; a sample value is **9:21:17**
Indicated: **3:08:37**
